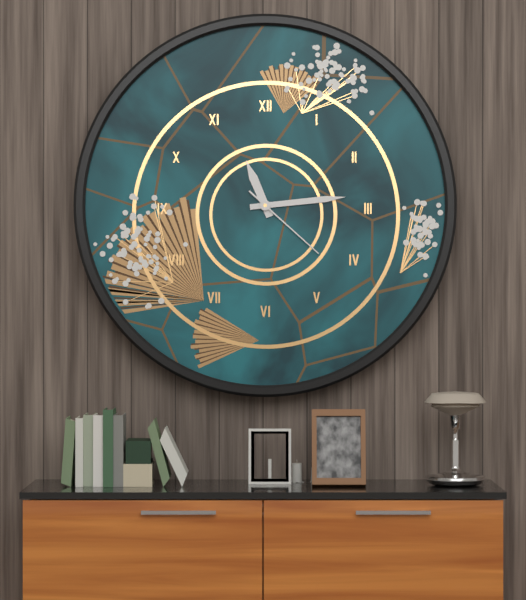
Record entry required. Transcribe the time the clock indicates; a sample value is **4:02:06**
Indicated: **11:14:22**
